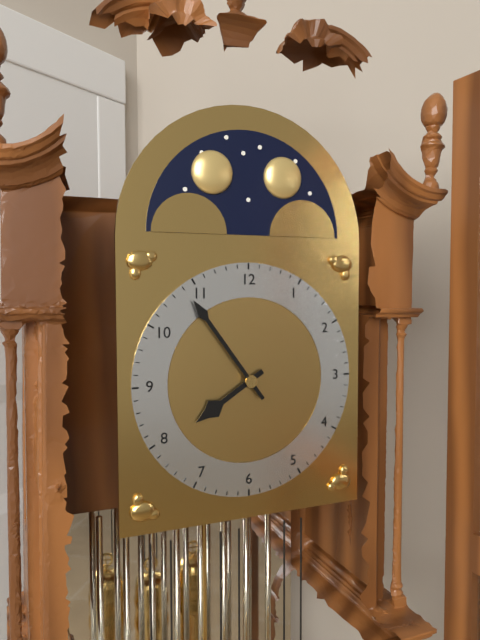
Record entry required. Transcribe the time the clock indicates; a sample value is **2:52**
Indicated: **7:54**
